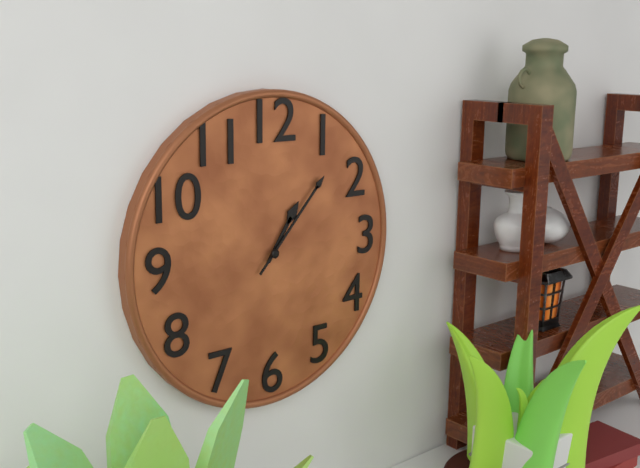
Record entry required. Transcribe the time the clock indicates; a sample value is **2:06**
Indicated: **1:07**
